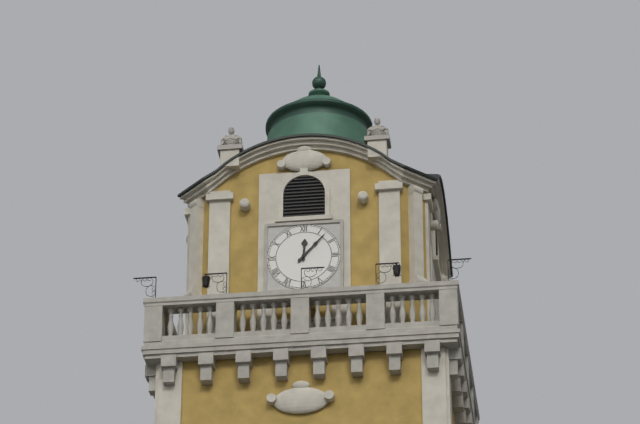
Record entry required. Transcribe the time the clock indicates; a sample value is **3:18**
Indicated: **12:07**
